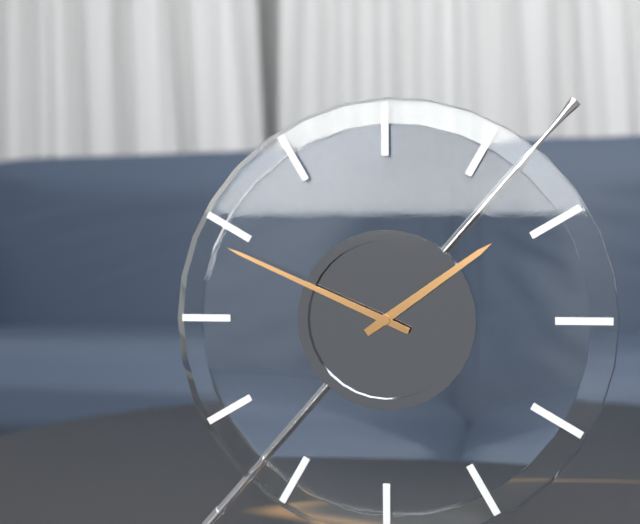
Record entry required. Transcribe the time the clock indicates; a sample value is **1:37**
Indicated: **1:49**
